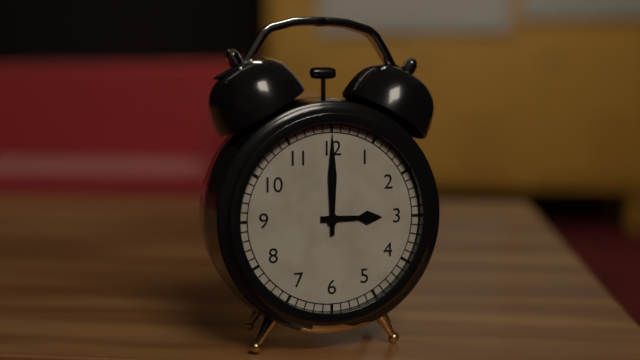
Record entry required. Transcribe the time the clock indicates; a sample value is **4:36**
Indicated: **3:00**
